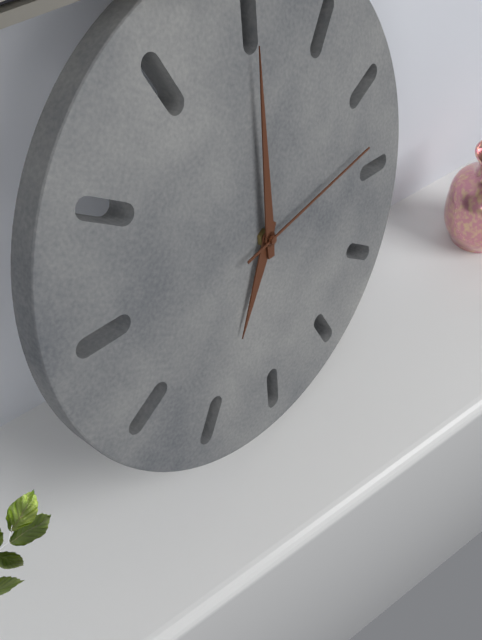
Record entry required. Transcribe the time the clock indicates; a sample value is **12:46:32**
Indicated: **5:55:08**
